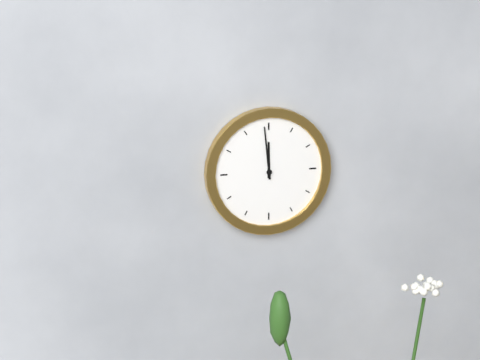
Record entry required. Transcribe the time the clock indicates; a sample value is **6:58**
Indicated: **11:59**
